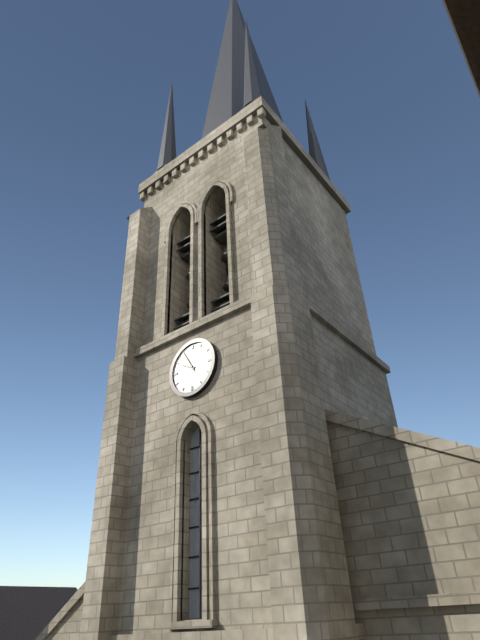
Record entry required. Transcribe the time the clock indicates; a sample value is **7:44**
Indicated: **9:55**
